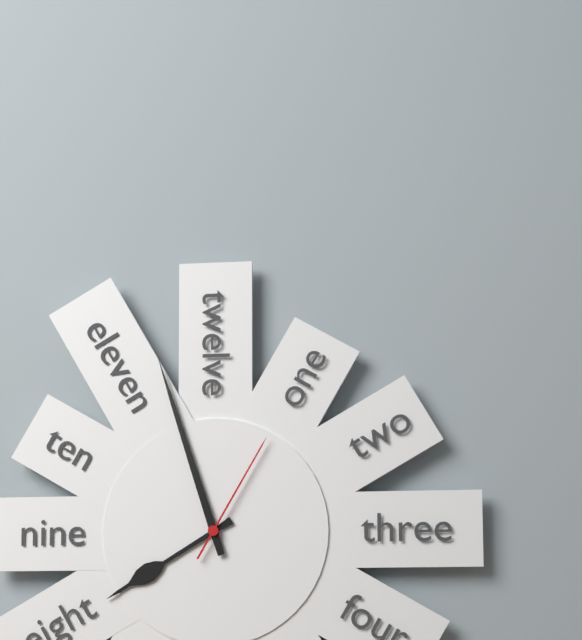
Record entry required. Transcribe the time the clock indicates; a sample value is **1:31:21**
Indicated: **7:57:05**
